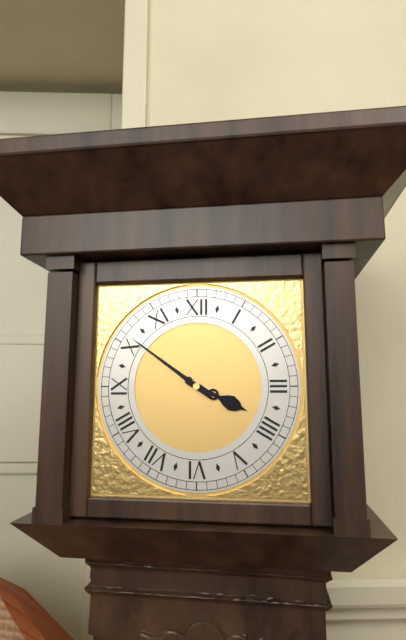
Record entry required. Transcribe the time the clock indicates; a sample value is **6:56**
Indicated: **3:51**
